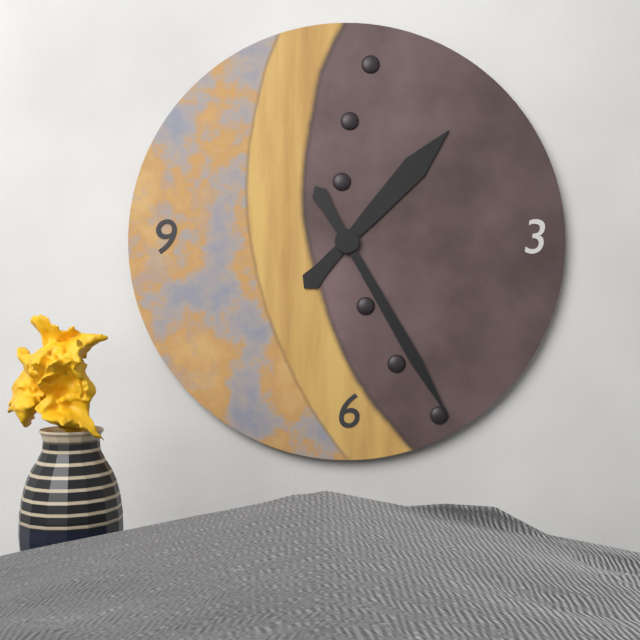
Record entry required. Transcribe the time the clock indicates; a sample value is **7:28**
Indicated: **1:25**
